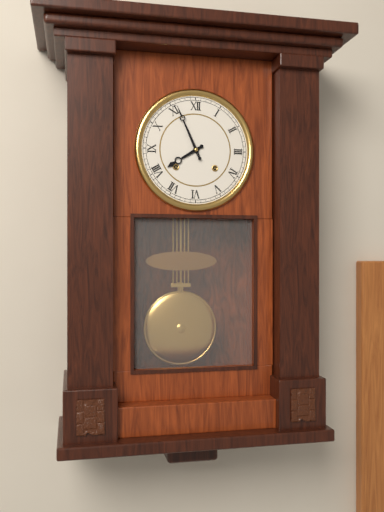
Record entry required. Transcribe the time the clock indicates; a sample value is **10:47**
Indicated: **7:56**
